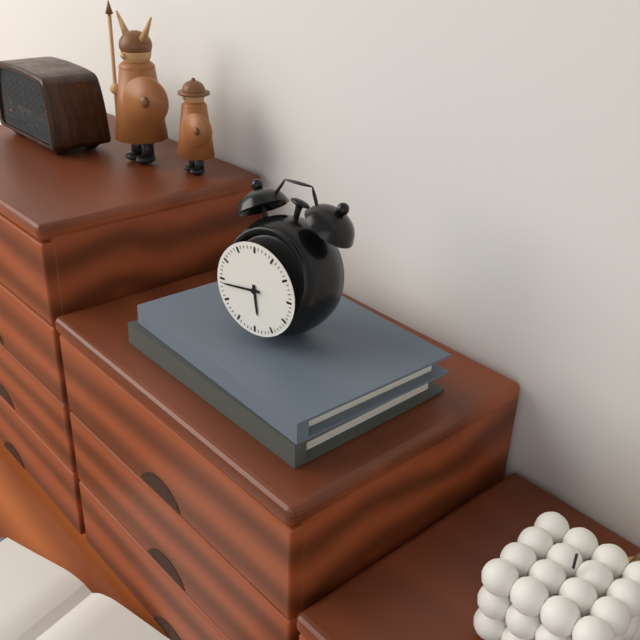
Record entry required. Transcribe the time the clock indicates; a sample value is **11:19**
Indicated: **5:44**
